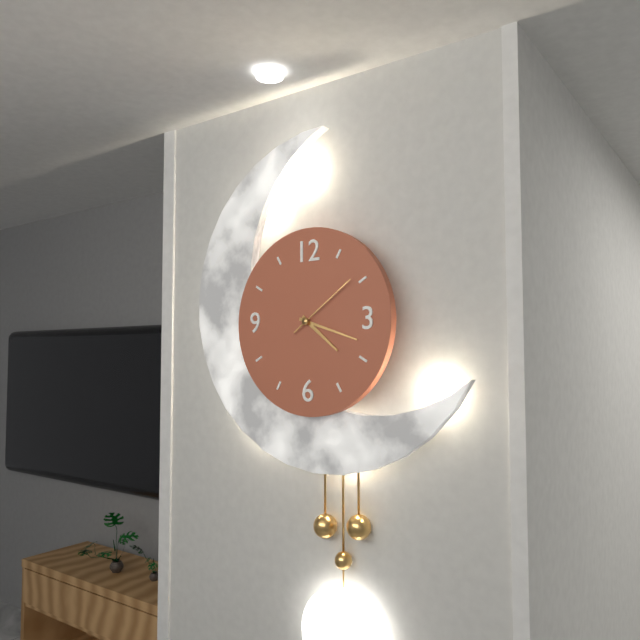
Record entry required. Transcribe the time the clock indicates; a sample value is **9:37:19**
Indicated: **4:18:09**
